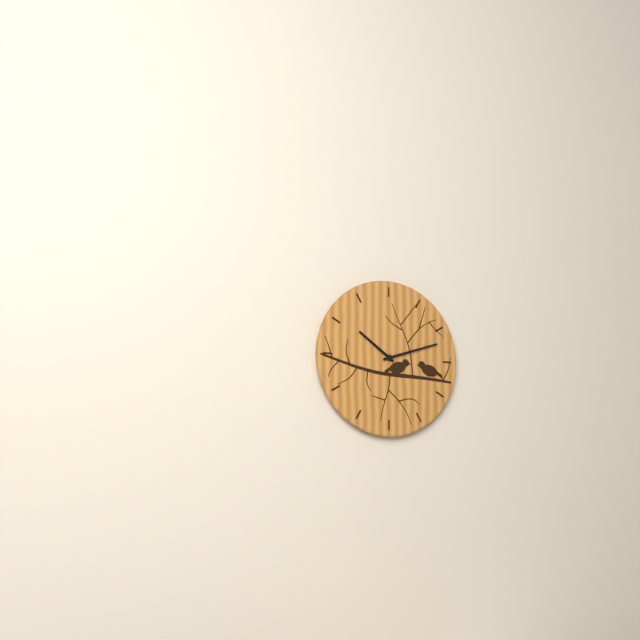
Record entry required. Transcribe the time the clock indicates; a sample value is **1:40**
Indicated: **10:12**
